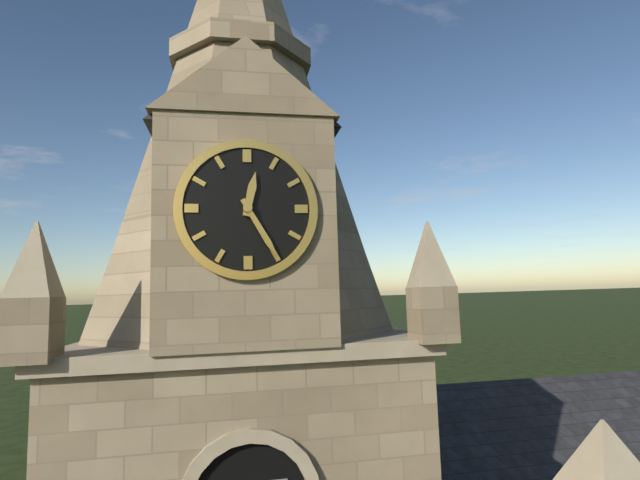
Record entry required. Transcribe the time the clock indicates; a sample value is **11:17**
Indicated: **12:25**
